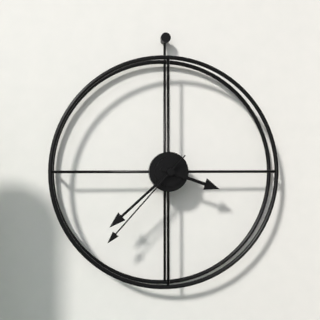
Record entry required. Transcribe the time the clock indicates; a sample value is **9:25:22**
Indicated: **3:38:37**
